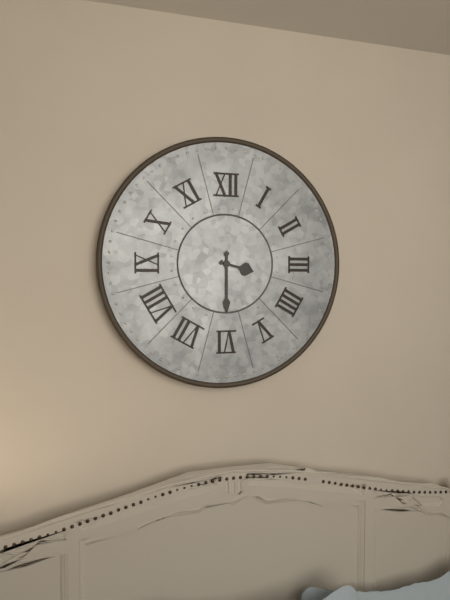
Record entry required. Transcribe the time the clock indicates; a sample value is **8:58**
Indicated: **3:30**
